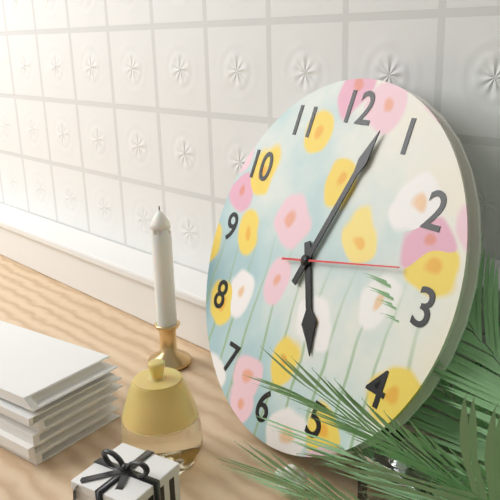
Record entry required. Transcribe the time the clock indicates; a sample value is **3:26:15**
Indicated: **5:03:13**
